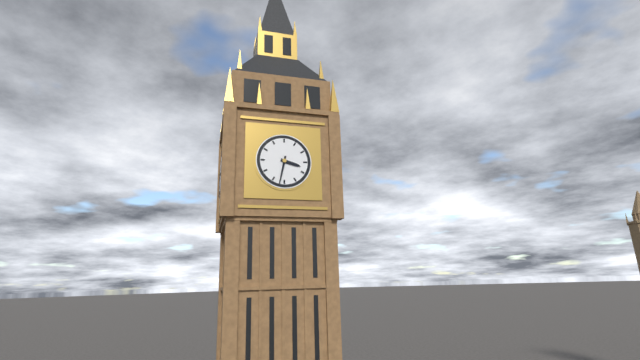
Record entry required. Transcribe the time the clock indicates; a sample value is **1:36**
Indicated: **3:32**
